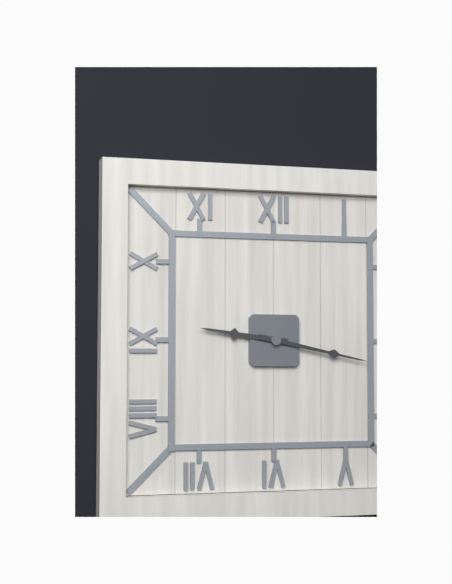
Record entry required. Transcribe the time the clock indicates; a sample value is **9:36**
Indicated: **9:17**
